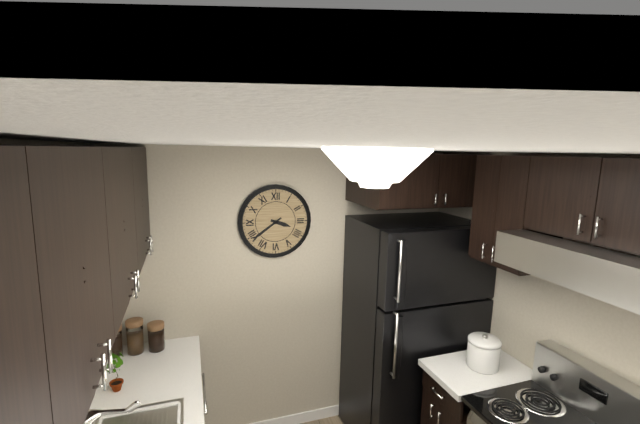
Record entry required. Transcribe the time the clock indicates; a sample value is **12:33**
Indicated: **3:39**
